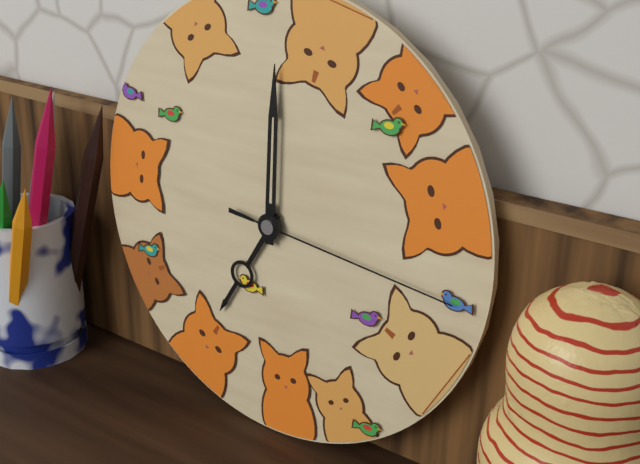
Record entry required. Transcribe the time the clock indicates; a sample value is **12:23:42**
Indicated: **7:00:16**
